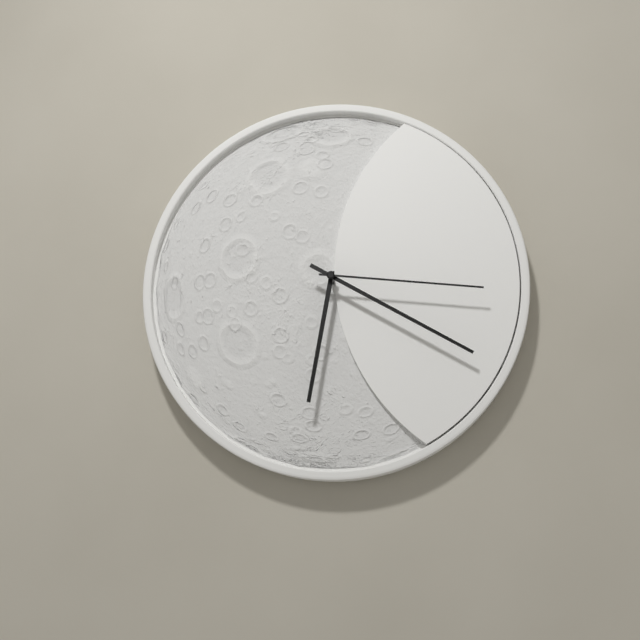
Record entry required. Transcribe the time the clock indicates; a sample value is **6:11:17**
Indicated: **6:20:16**
